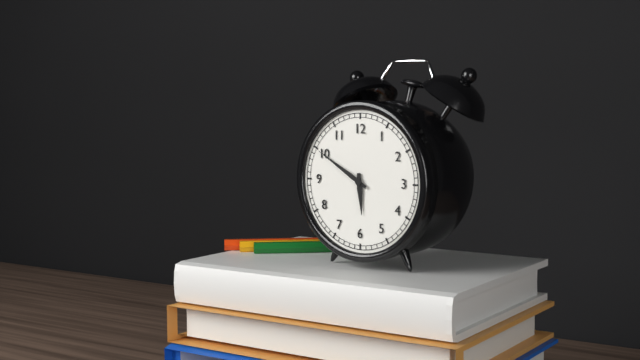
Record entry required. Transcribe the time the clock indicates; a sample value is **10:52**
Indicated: **5:50**
